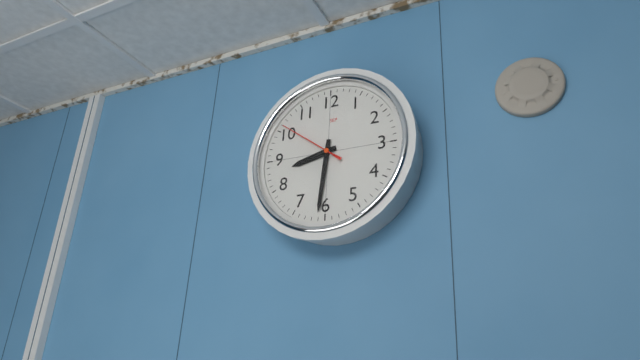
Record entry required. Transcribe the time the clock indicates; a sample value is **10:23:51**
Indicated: **8:31:51**
